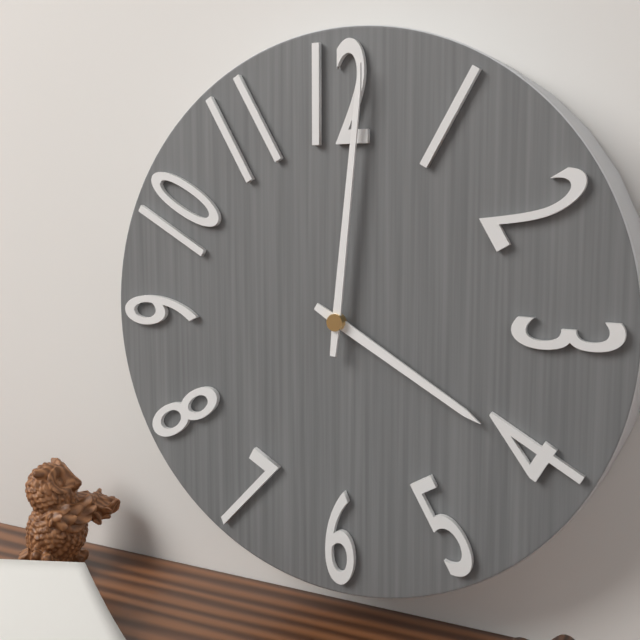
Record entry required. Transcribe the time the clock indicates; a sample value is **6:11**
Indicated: **4:01**
